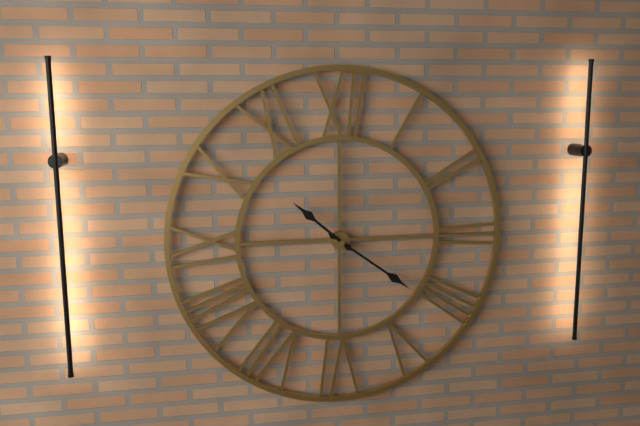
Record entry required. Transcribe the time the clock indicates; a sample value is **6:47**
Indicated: **10:21**
